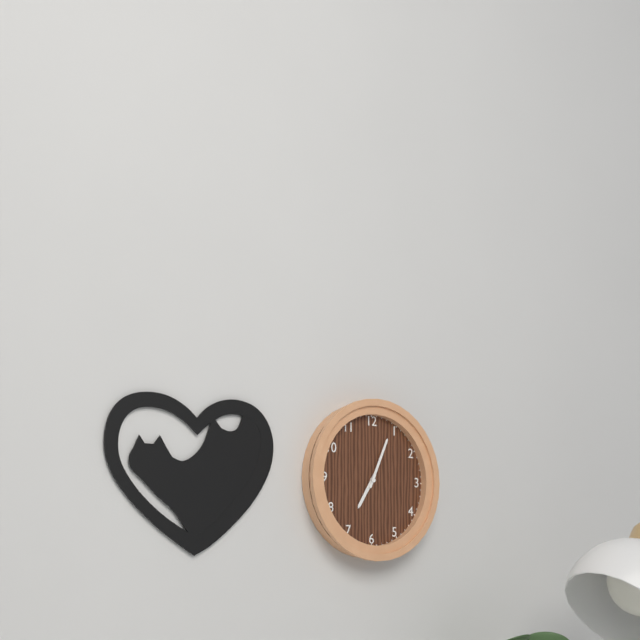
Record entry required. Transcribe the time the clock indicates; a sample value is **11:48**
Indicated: **7:04**
